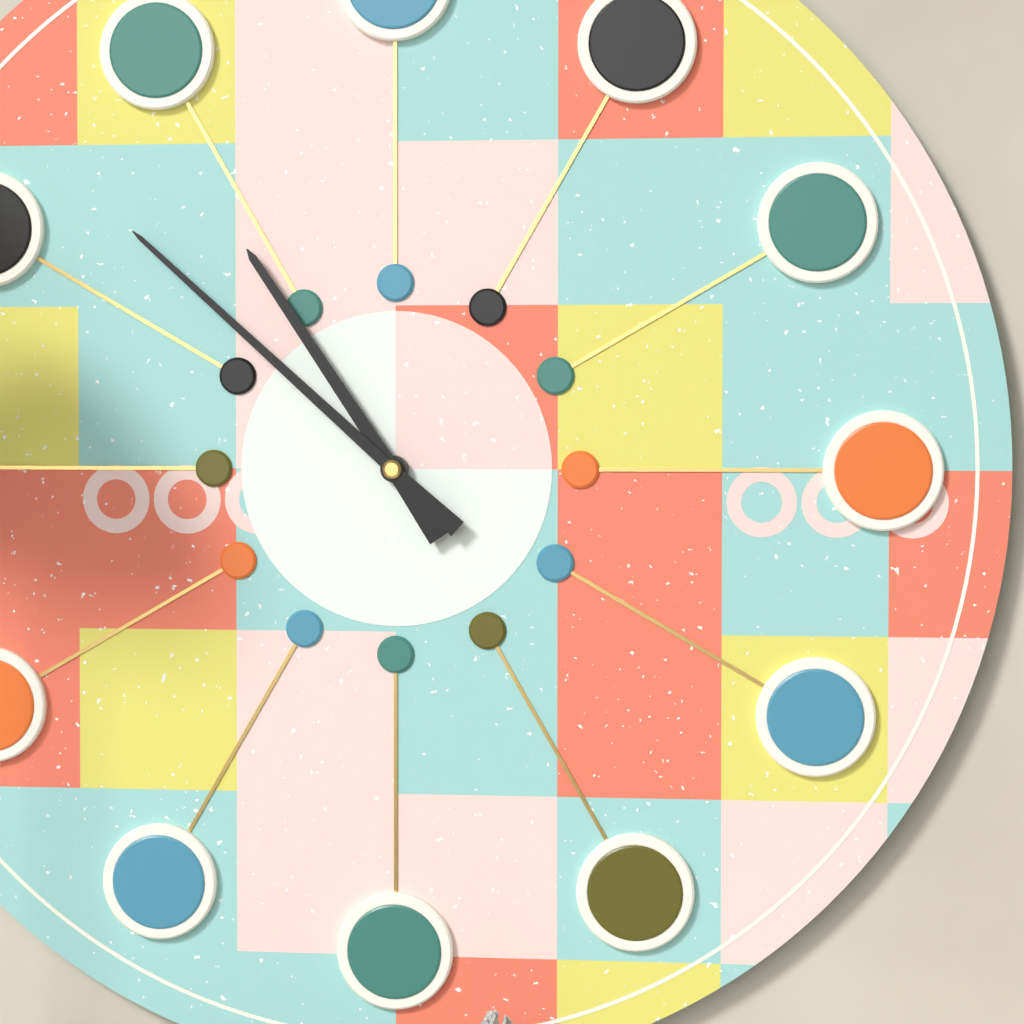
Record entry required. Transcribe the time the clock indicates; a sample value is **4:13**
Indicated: **10:52**
